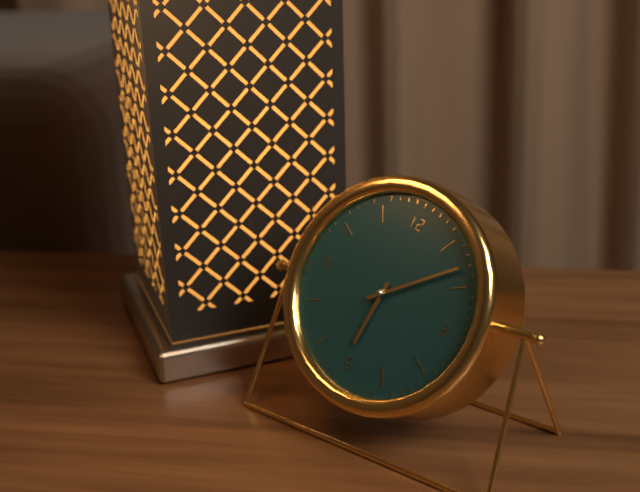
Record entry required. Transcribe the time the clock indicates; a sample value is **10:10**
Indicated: **6:08**
